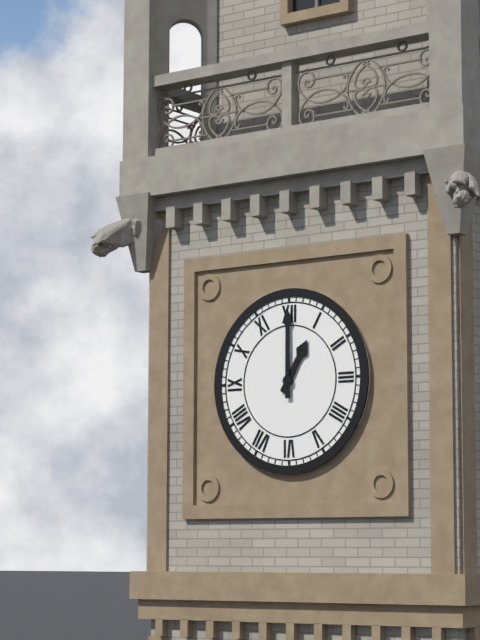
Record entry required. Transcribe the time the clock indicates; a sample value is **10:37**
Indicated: **1:00**
